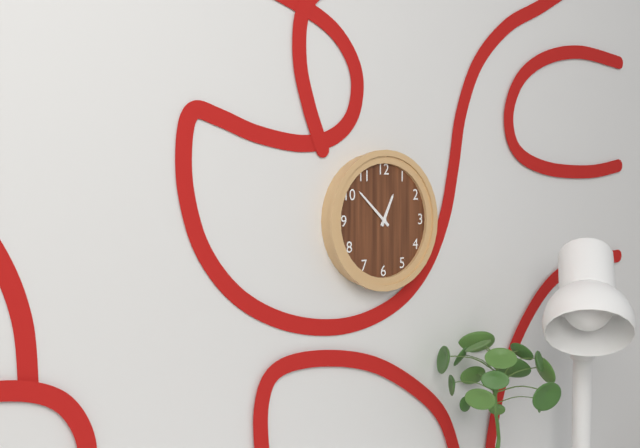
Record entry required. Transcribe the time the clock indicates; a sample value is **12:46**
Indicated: **12:52**
